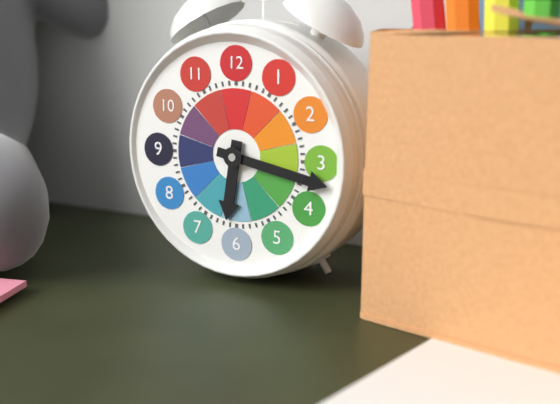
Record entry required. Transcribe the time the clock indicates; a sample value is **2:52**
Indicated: **6:17**
